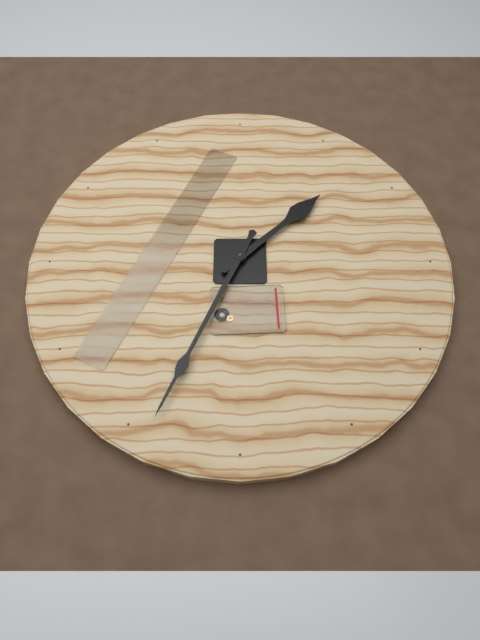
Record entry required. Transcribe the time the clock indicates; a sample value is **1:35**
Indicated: **1:34**
